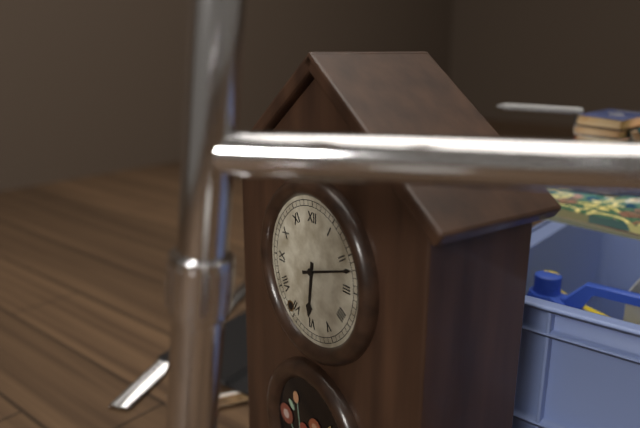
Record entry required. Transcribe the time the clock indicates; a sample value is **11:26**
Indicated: **6:12**
